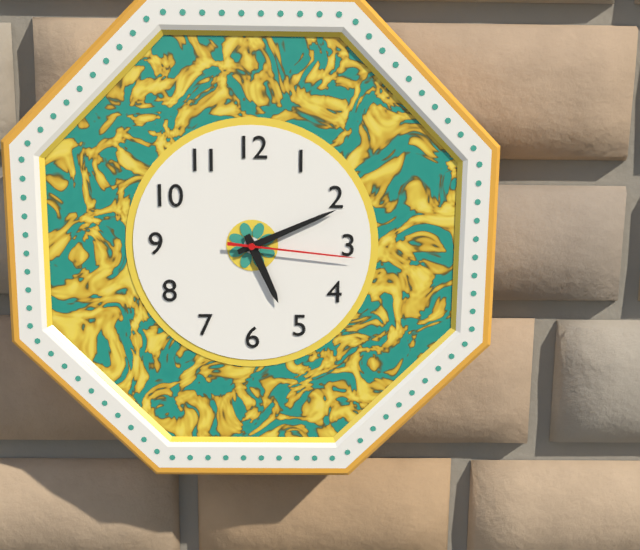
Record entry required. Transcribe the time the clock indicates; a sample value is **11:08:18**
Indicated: **5:11:16**
